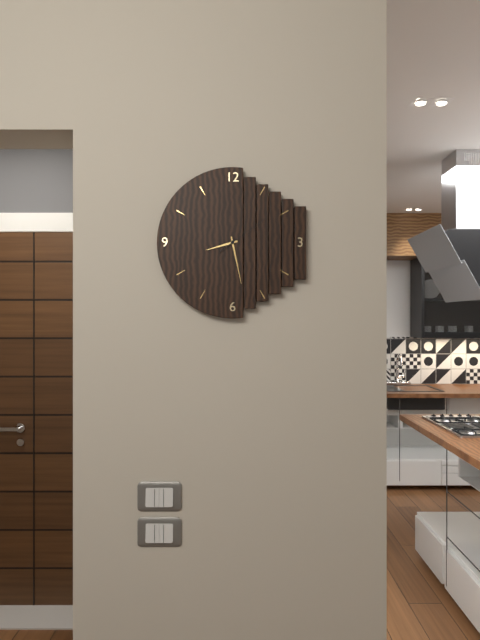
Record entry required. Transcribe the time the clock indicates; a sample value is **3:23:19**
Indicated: **8:28:09**
